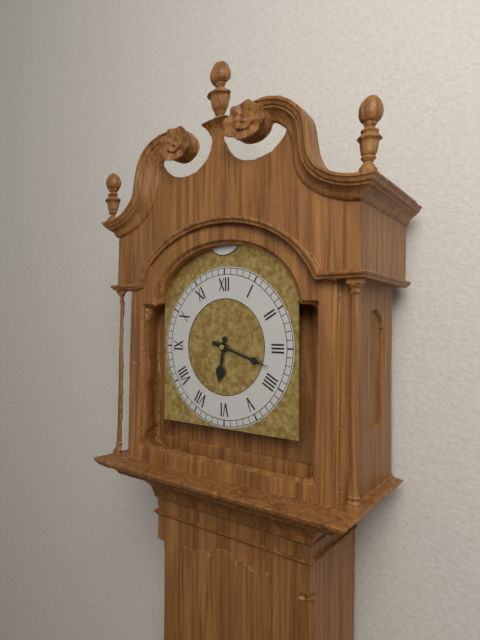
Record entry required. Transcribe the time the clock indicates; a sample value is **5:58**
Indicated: **6:18**
